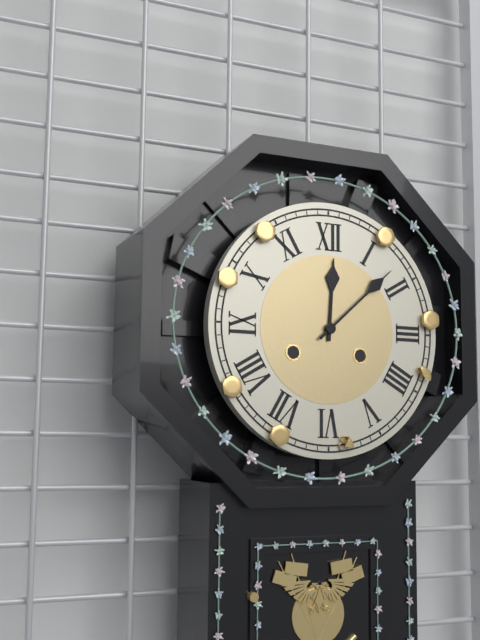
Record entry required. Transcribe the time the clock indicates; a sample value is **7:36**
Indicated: **12:08**
